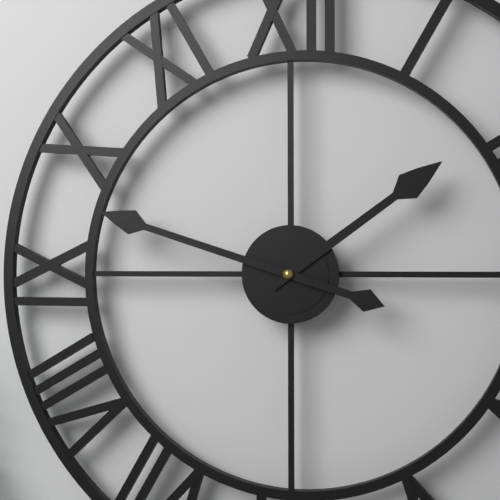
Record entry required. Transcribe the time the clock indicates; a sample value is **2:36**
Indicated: **1:48**
